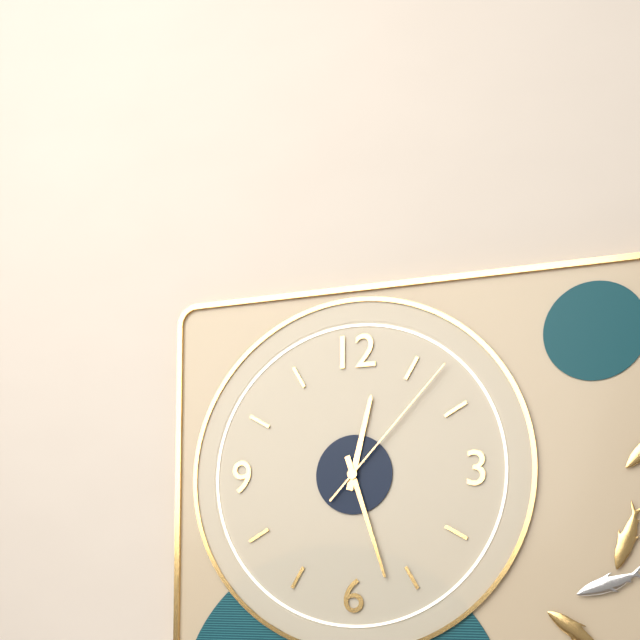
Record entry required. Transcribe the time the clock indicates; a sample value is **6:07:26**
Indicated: **12:27:07**
